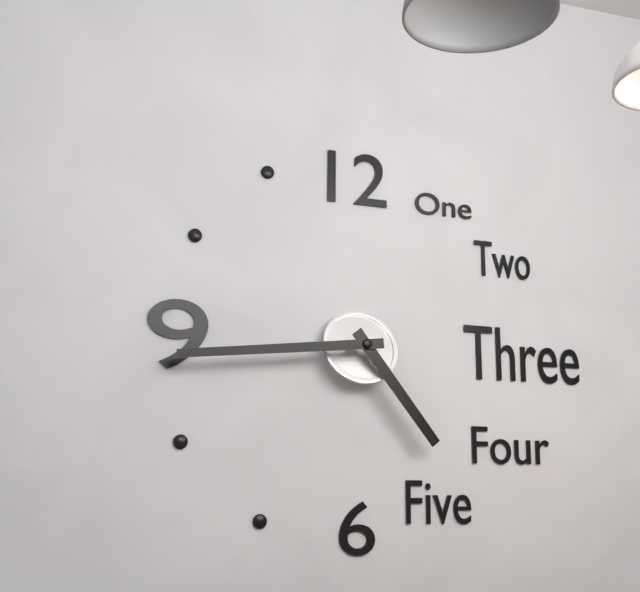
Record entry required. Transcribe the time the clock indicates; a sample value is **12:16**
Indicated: **4:44**
